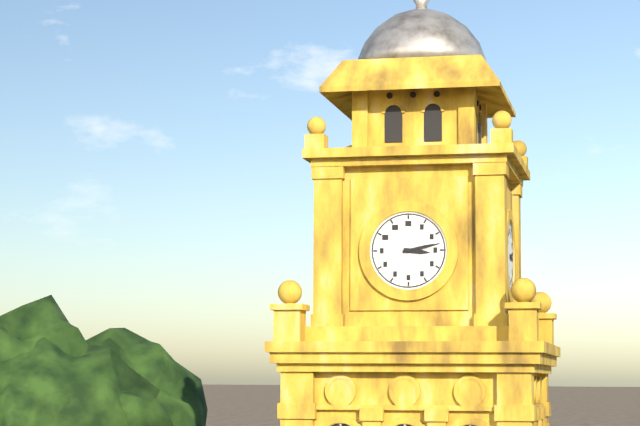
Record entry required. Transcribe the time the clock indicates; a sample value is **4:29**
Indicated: **3:13**
